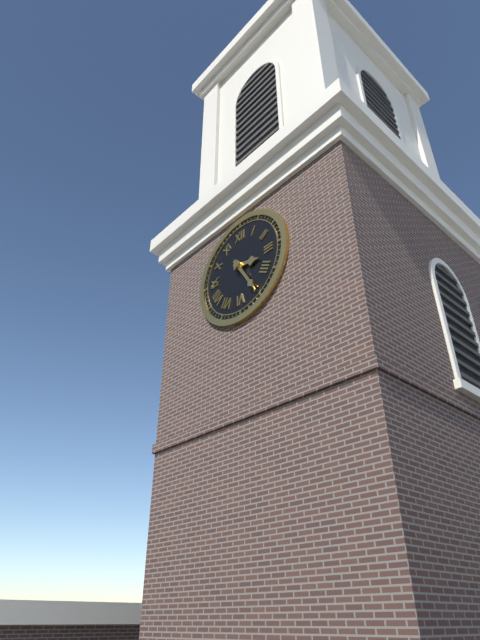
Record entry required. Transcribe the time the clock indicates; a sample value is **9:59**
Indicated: **3:25**
